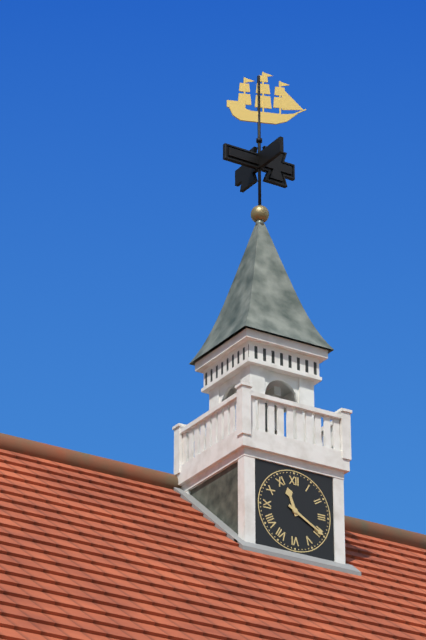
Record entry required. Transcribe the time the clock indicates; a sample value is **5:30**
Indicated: **11:20**
